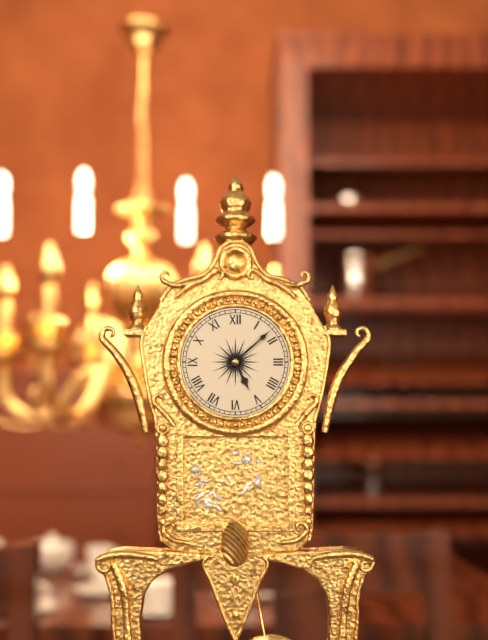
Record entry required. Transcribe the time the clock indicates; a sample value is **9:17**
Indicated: **5:08**
